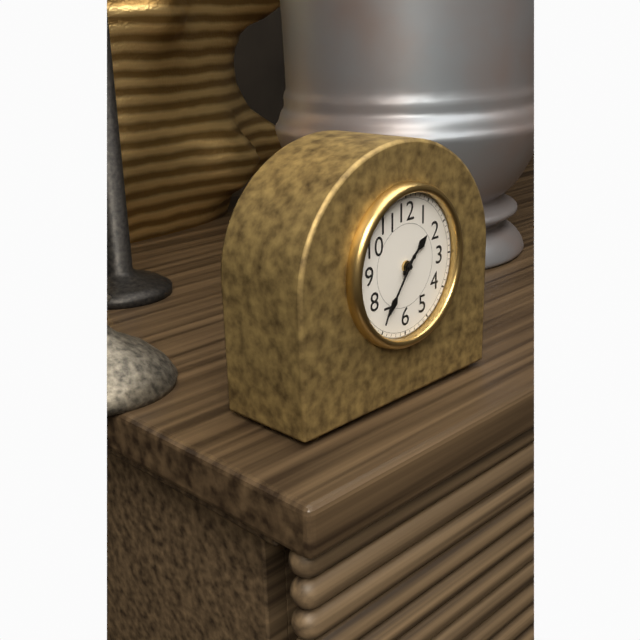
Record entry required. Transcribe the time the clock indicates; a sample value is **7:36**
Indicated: **1:36**
